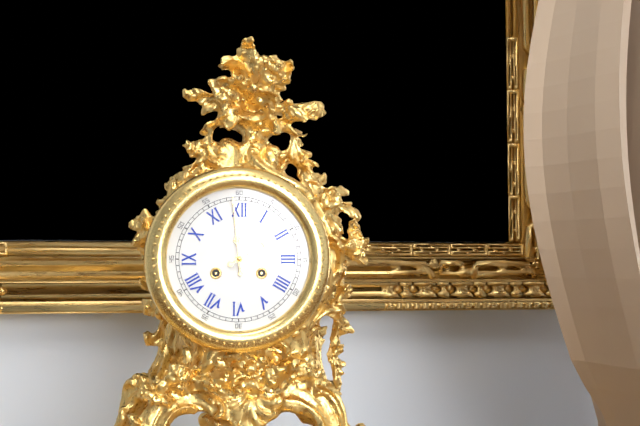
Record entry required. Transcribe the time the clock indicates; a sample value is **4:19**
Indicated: **1:59**
